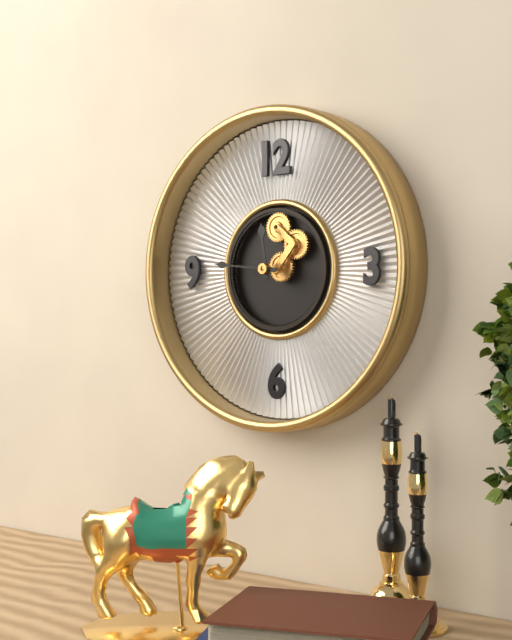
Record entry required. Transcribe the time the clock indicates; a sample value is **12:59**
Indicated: **11:46**
